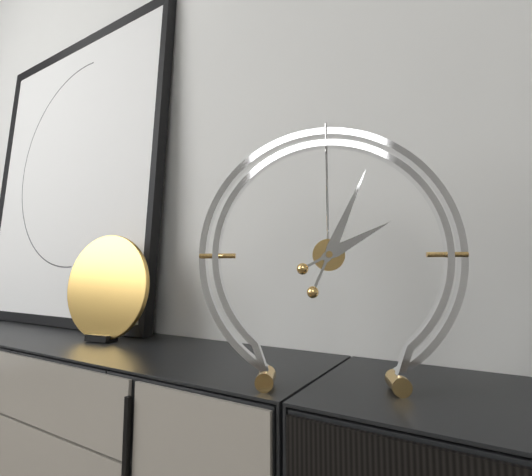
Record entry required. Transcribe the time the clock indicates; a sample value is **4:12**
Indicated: **2:04**
